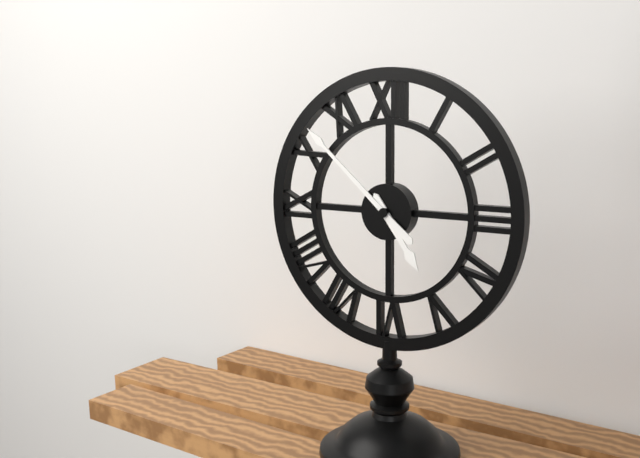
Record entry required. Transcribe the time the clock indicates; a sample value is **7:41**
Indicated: **4:52**
